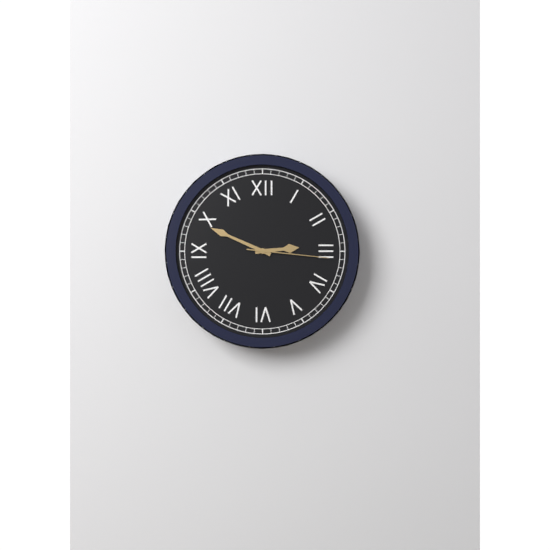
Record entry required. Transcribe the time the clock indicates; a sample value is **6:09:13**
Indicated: **2:49:16**
